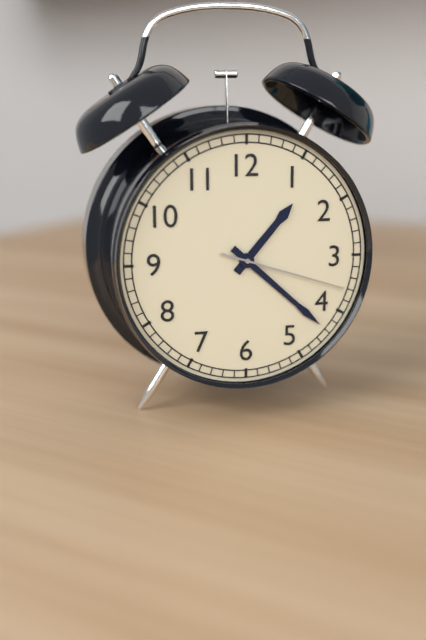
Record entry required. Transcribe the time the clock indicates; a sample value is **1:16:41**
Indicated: **1:22:18**
